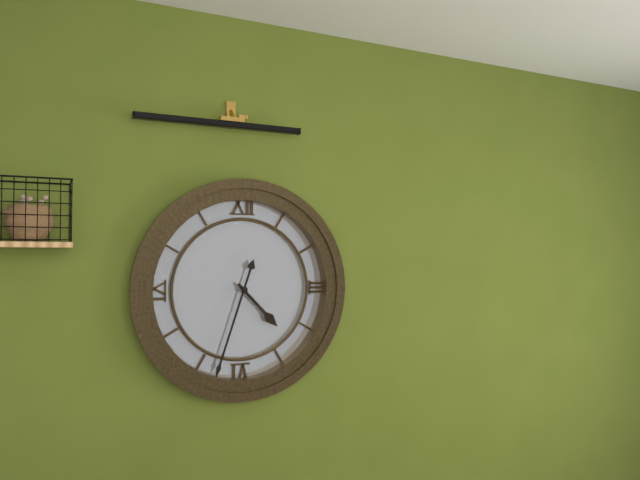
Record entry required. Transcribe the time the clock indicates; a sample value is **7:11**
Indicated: **4:33**
